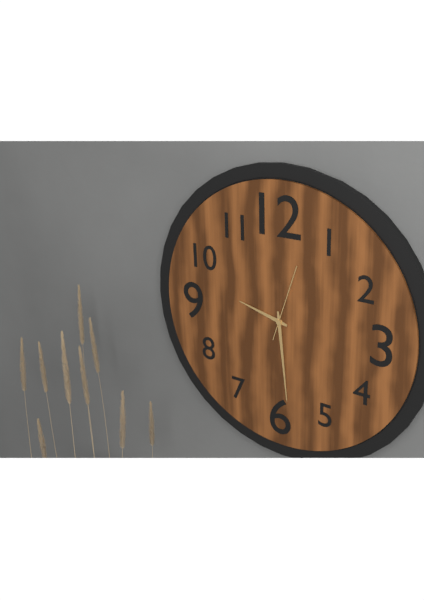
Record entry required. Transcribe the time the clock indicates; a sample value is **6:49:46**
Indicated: **9:29:03**
